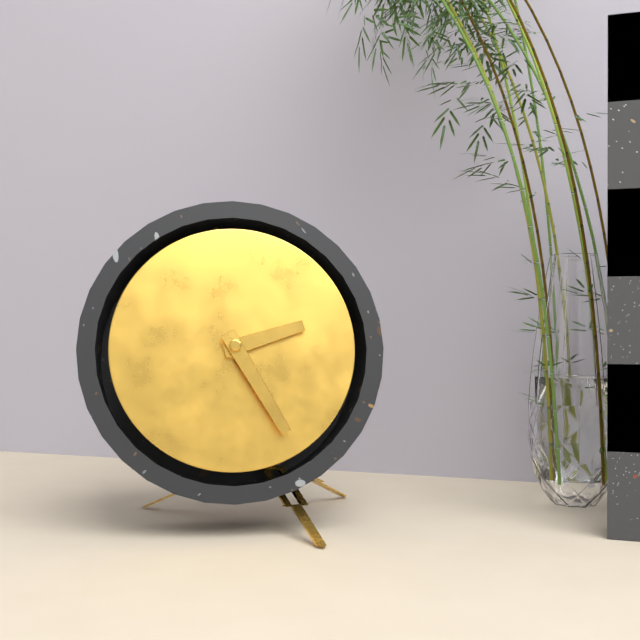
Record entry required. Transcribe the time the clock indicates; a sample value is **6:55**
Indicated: **2:25**
